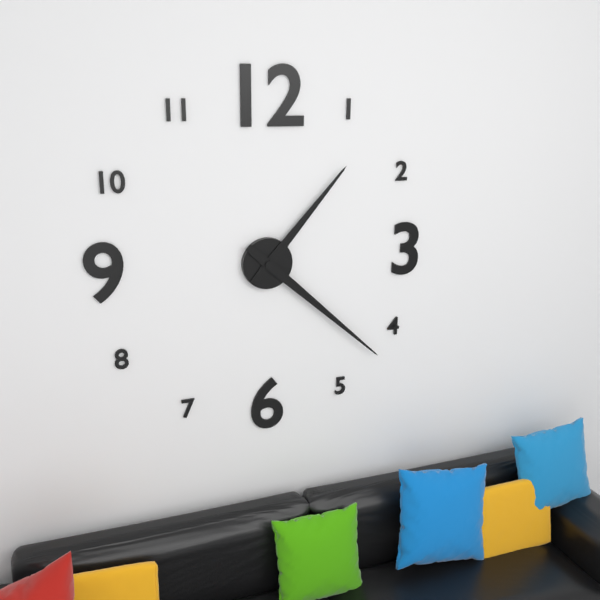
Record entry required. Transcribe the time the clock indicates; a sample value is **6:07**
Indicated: **1:22**
